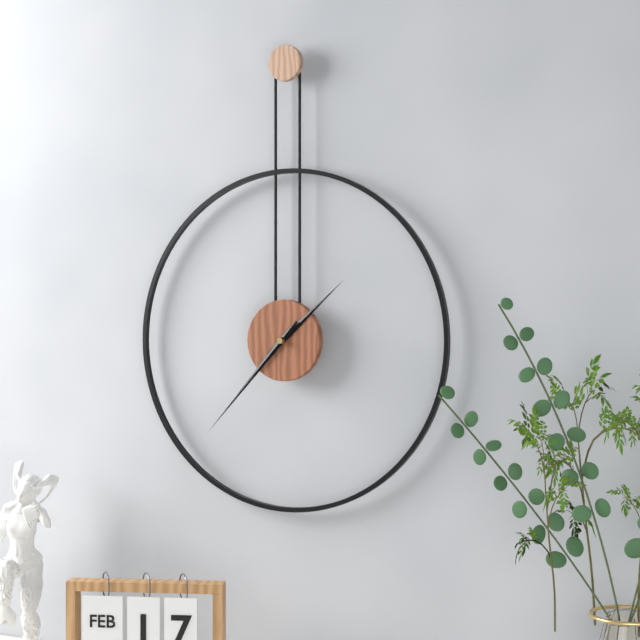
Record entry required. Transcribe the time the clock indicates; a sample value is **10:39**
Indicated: **1:37**
